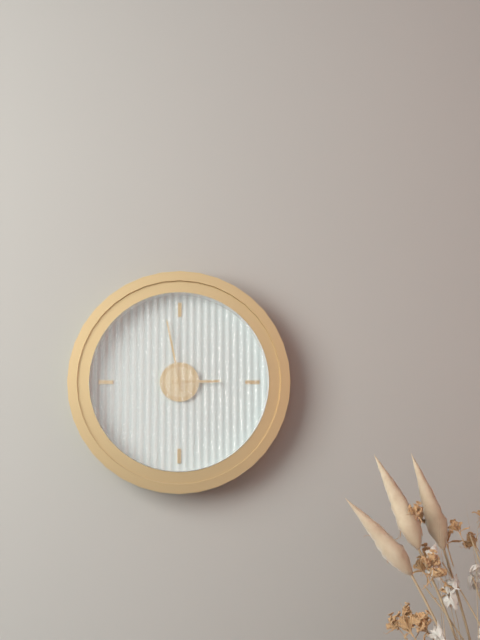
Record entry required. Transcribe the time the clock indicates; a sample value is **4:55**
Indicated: **2:58**
